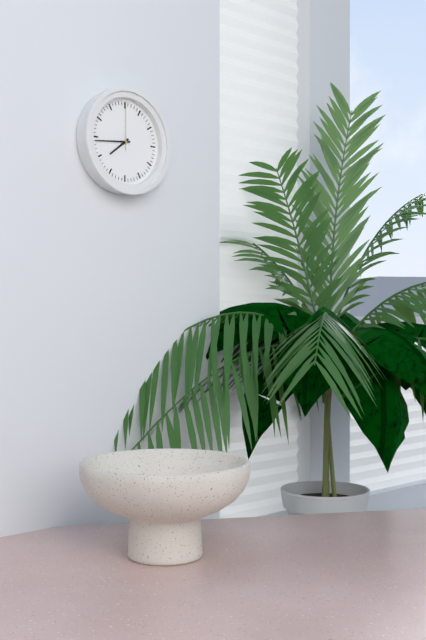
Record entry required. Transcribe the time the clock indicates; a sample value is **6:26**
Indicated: **7:44**
